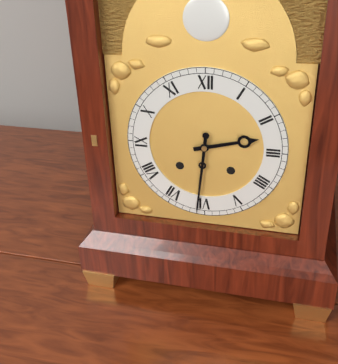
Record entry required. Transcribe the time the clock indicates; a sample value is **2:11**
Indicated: **2:31**
